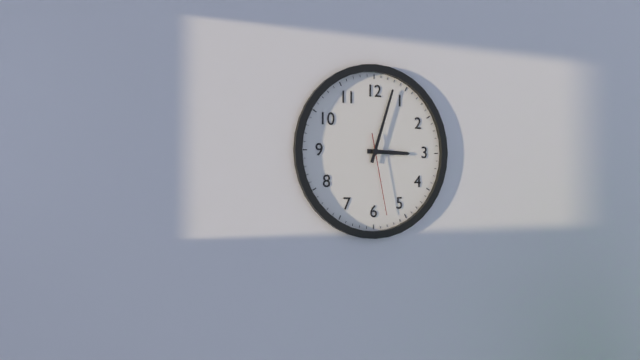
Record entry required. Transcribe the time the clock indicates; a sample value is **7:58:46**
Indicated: **3:03:28**
